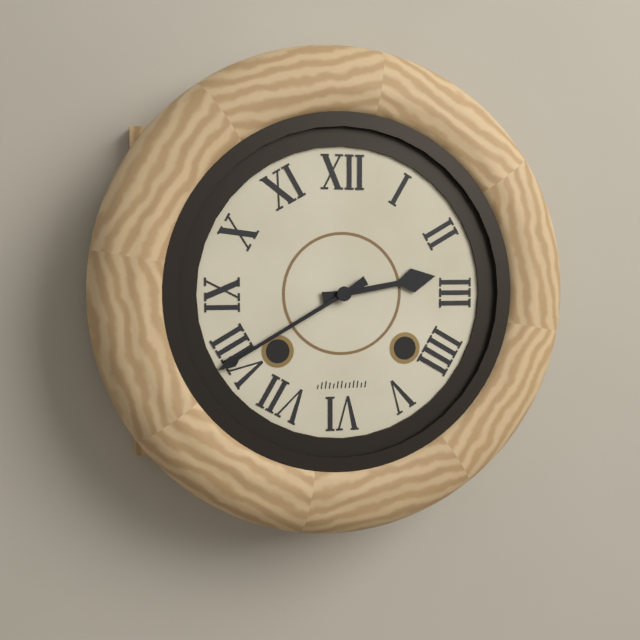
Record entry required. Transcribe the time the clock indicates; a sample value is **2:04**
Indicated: **2:40**
